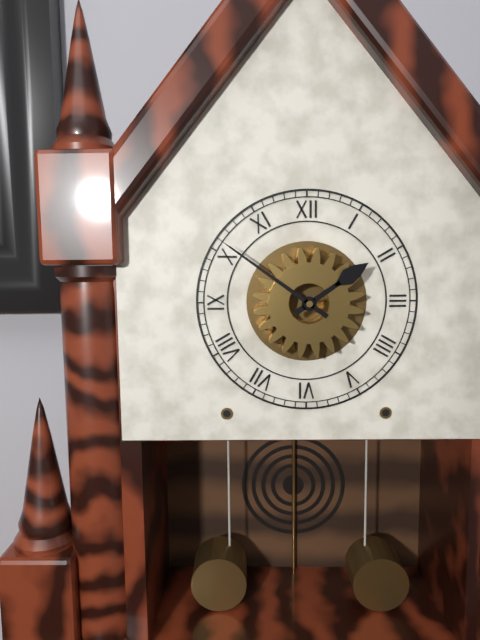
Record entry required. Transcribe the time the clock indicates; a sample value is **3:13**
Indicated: **1:51**
